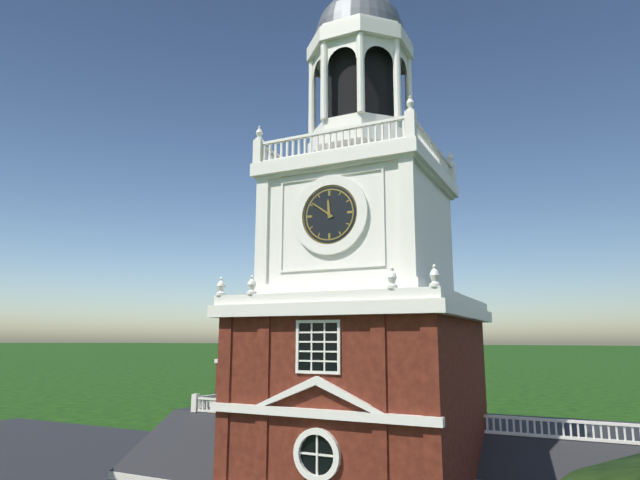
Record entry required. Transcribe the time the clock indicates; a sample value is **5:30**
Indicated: **11:51**
